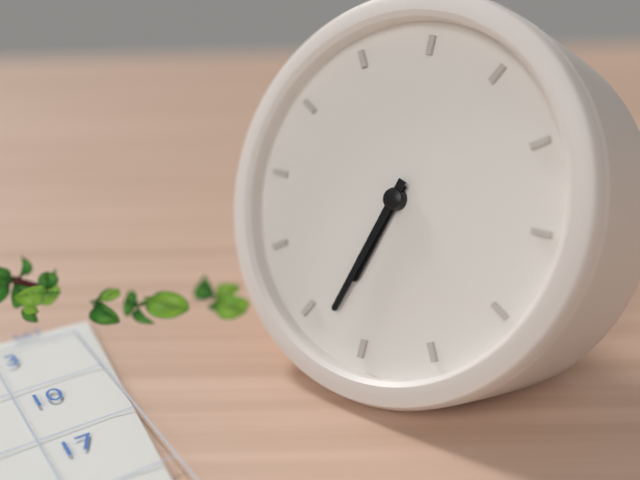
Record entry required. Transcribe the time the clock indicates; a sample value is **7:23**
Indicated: **6:33**
